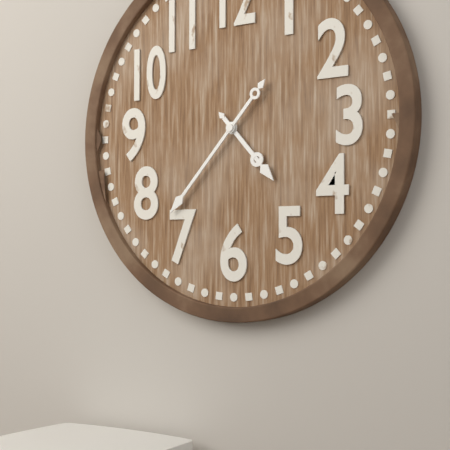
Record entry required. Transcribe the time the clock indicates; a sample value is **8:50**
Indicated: **4:37**
